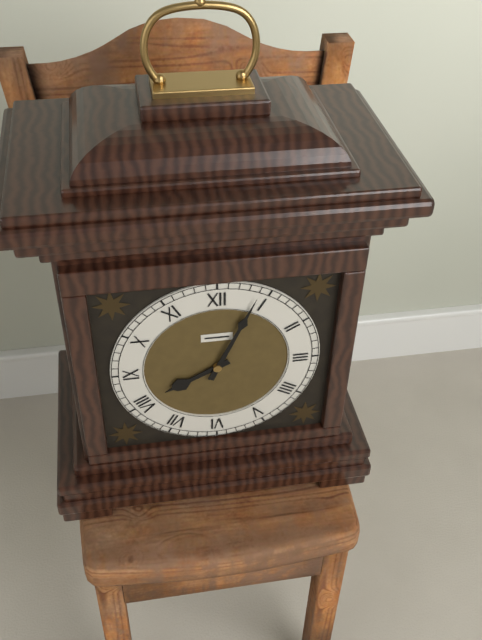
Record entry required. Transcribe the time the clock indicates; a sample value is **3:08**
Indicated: **8:04**
